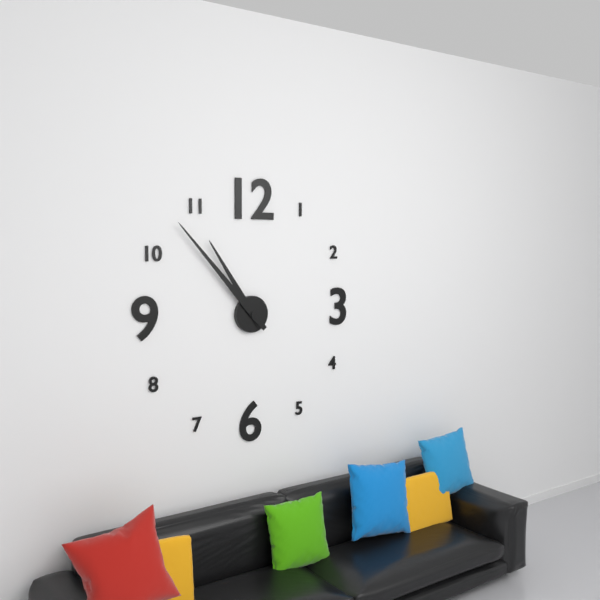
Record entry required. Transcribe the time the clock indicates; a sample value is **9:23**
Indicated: **10:53**
